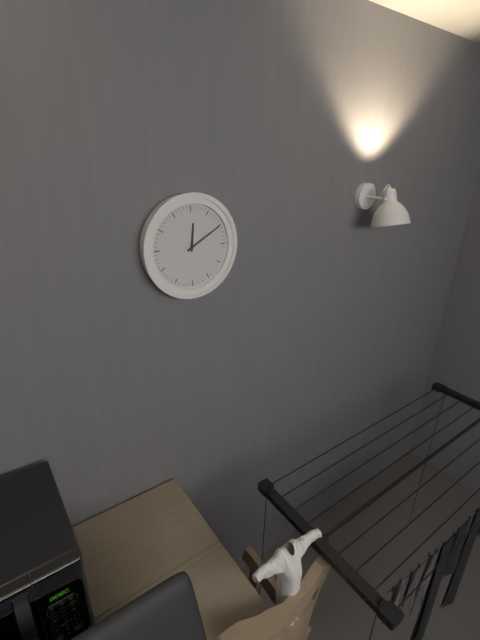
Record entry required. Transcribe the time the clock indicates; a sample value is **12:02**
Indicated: **12:10**
